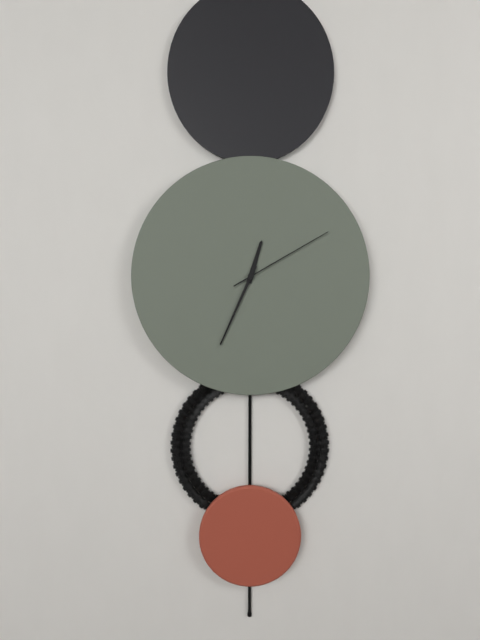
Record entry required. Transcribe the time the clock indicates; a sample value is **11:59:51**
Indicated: **12:34:10**
